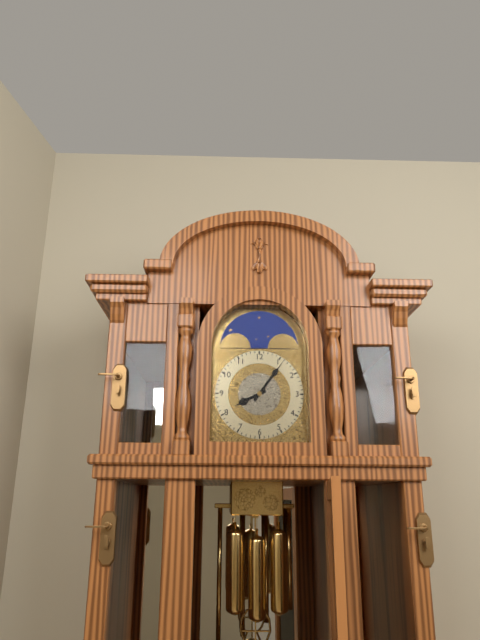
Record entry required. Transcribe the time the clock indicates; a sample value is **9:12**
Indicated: **8:06**
